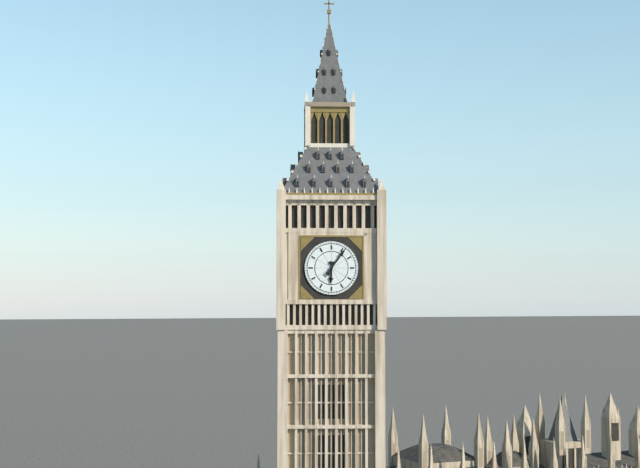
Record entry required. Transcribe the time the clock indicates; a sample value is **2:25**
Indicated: **6:06**
